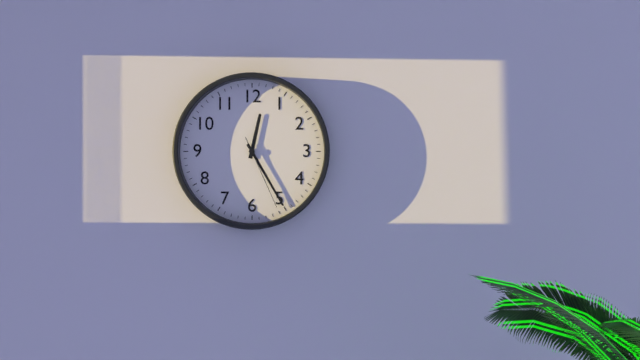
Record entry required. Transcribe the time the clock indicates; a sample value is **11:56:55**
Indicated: **12:25:26**
